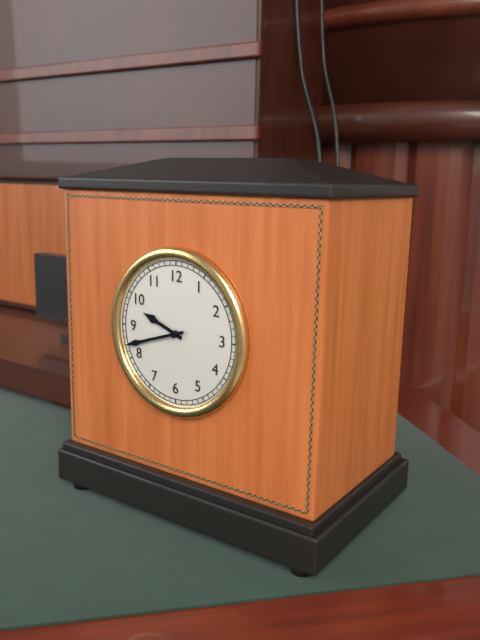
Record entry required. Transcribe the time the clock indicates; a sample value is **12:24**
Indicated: **9:42**
